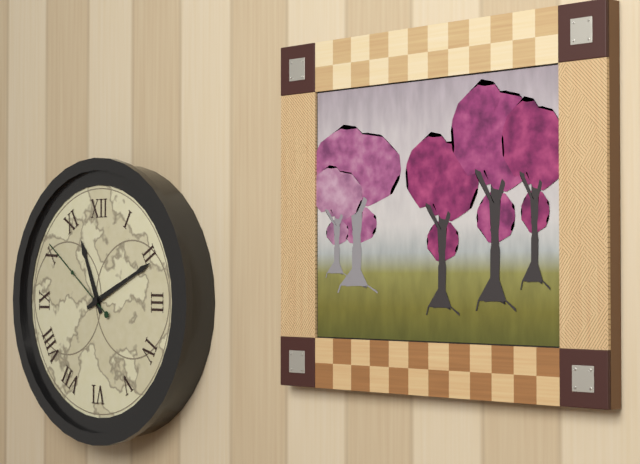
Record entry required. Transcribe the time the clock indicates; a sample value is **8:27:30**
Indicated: **11:11:51**
